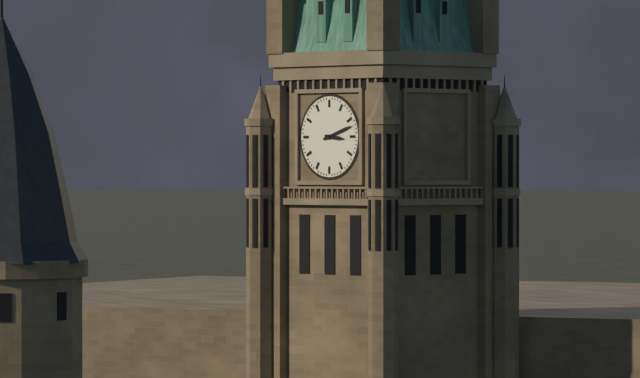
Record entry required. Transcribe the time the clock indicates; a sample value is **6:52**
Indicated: **3:12**
